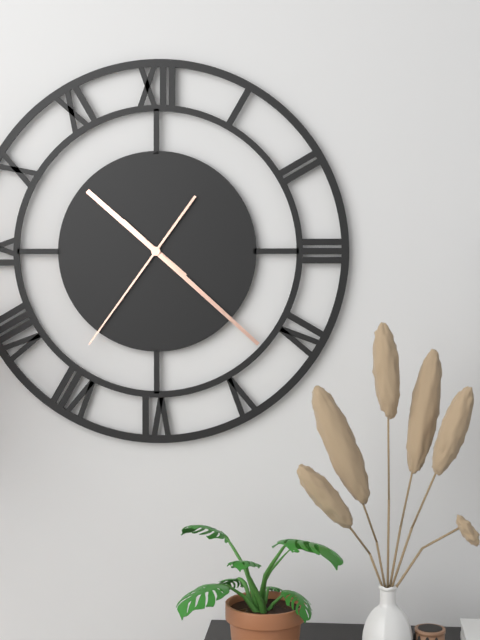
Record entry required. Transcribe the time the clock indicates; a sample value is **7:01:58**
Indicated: **10:22:36**
